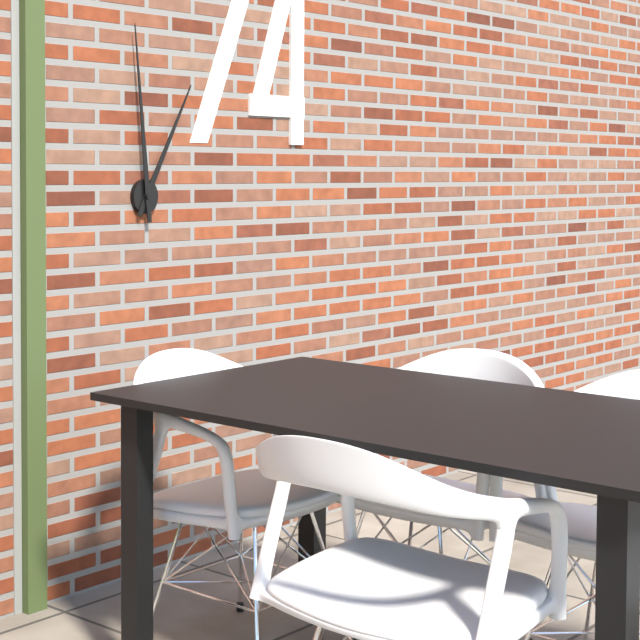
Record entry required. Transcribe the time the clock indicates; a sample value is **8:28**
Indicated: **12:59**
